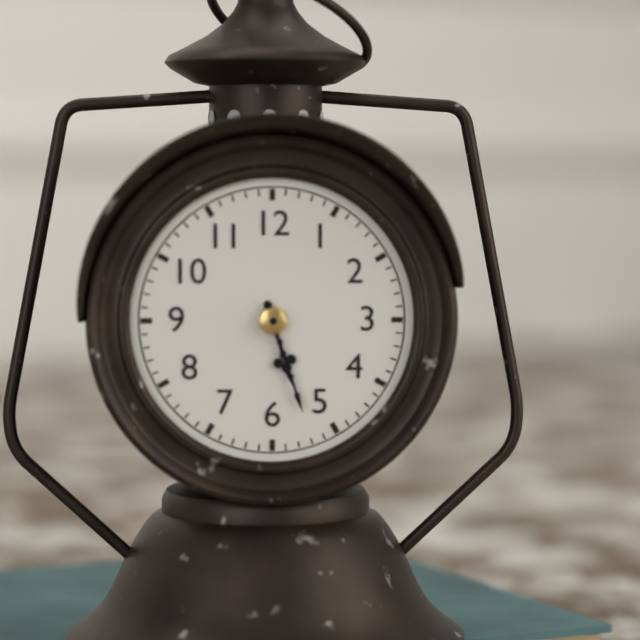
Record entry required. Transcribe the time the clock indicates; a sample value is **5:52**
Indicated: **5:27**
